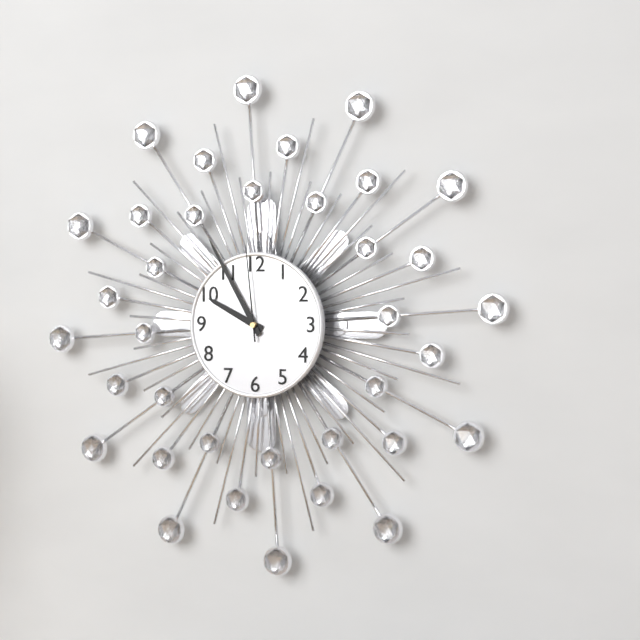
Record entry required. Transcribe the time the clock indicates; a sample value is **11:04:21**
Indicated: **9:55:59**
